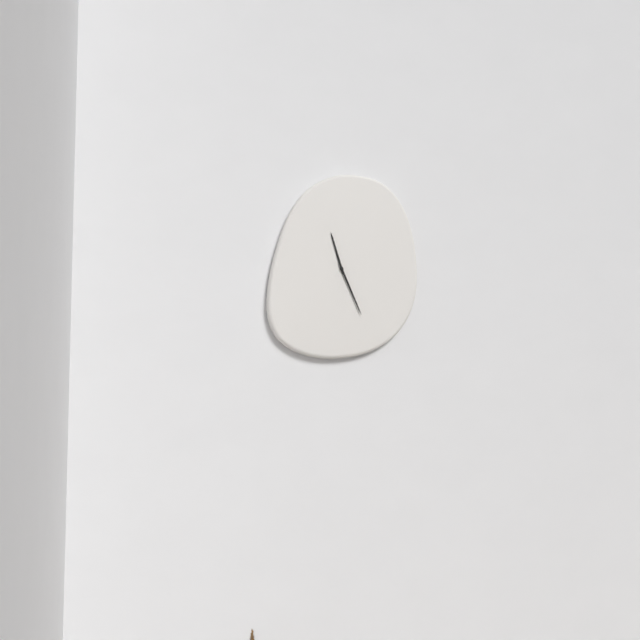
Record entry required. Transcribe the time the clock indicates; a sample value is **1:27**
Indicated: **11:26**
